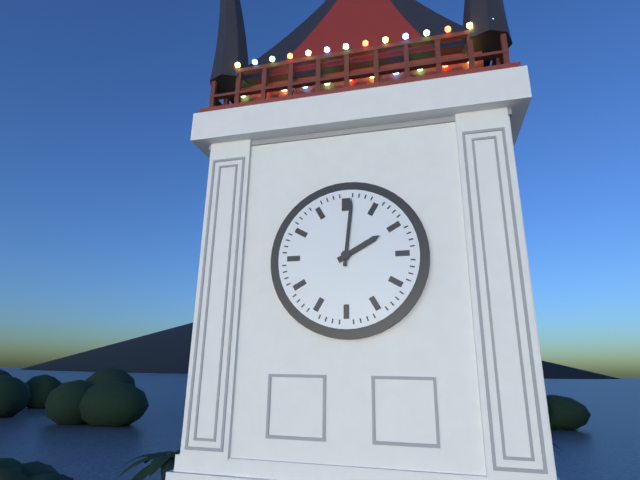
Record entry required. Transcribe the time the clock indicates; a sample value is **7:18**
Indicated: **2:01**
